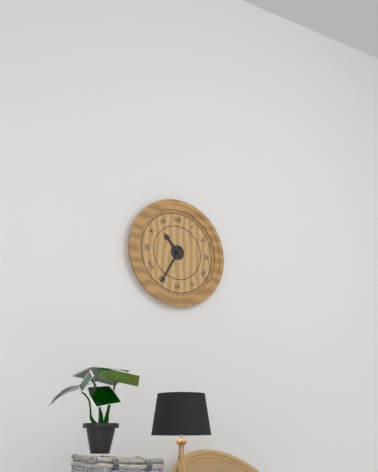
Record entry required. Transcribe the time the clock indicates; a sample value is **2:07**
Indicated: **10:35**
